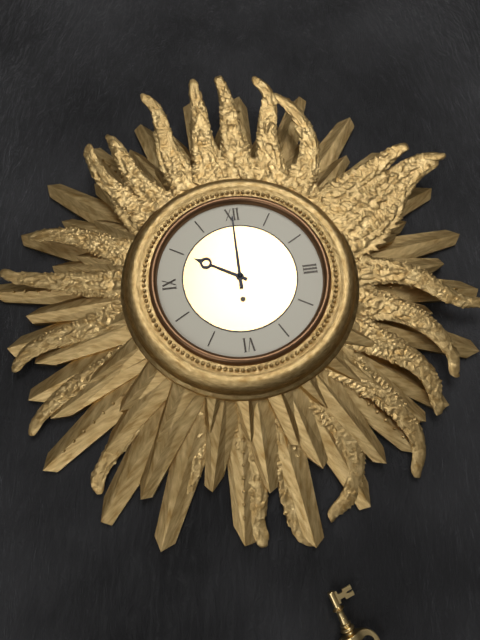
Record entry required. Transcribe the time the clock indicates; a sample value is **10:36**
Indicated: **10:00**
